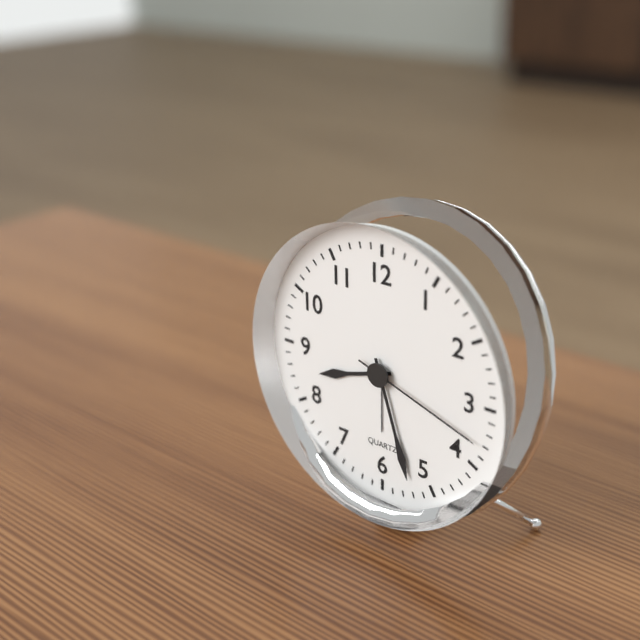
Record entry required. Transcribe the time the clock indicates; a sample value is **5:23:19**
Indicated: **8:27:18**
